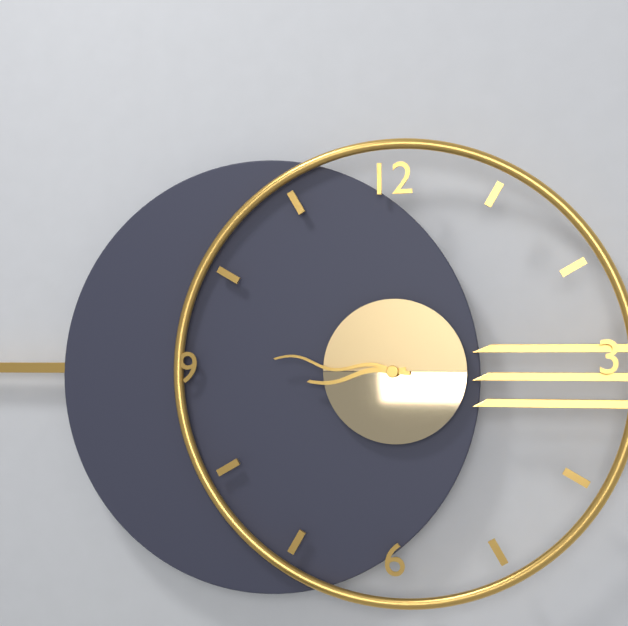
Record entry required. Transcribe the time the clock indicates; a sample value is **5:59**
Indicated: **8:46**
